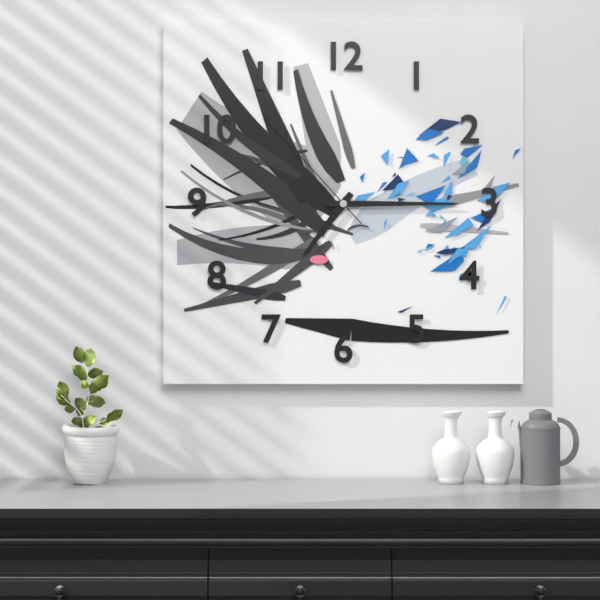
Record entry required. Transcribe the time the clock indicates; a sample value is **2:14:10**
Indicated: **7:15:53**
